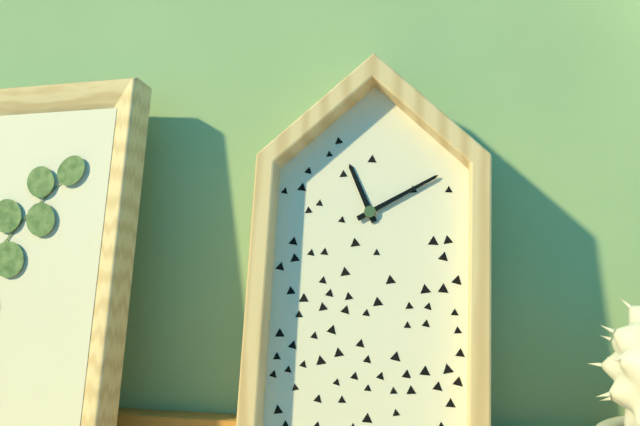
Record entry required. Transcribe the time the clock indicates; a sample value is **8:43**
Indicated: **11:10**
